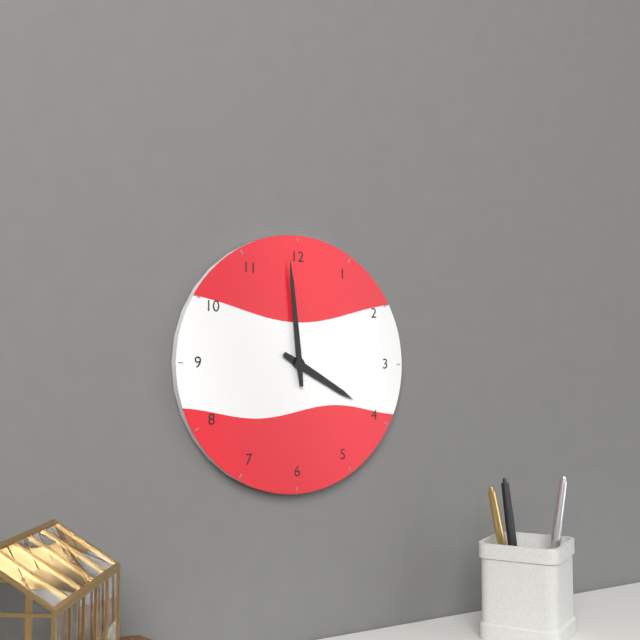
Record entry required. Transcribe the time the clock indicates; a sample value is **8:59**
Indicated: **3:59**
